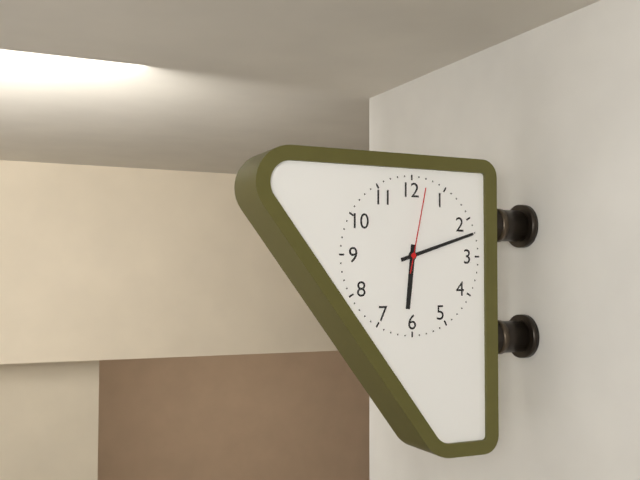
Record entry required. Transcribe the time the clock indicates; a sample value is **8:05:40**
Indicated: **6:12:02**
